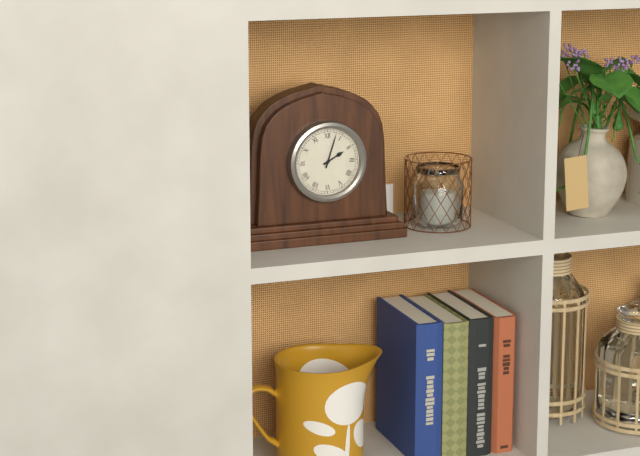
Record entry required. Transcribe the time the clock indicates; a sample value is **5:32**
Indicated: **2:03**
